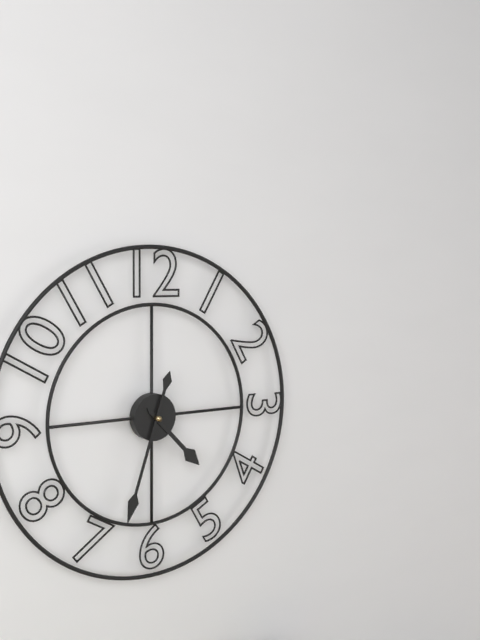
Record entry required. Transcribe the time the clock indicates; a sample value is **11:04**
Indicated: **4:33**
